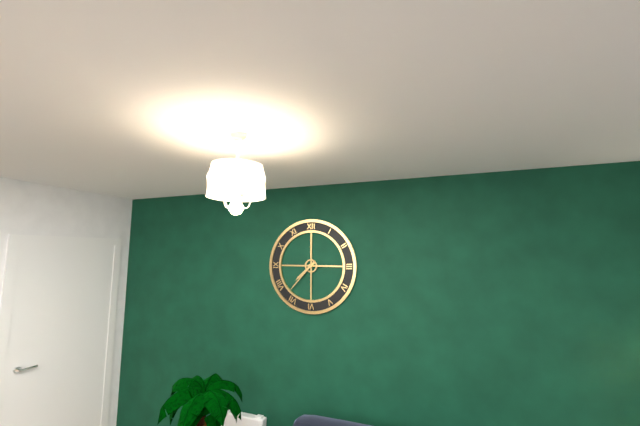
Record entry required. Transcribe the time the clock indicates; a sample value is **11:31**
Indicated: **7:37**
